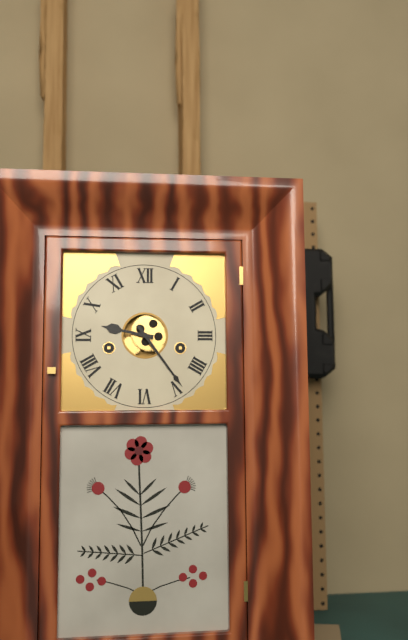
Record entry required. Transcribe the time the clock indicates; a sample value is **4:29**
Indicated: **9:24**
